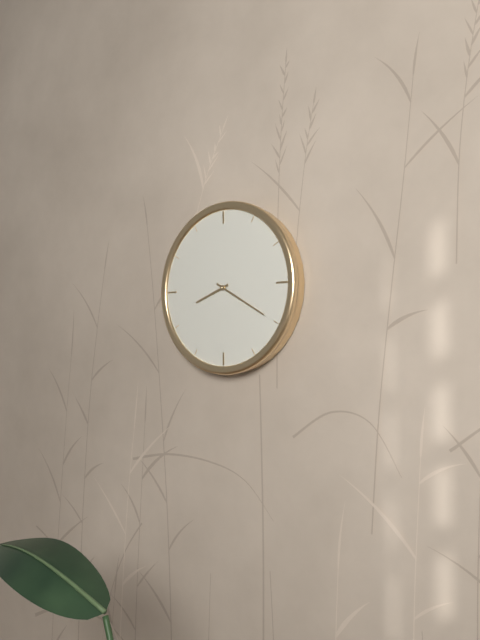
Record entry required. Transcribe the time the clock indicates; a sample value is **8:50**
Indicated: **8:20**
